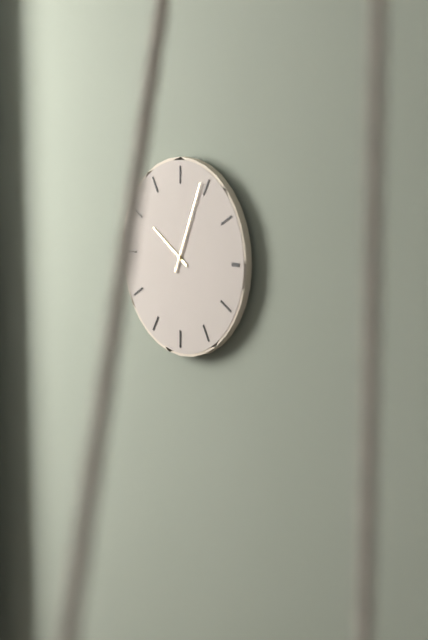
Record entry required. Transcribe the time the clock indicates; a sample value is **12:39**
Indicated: **10:04**
